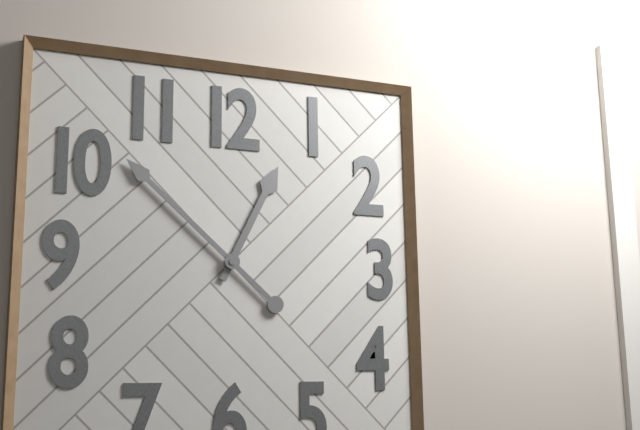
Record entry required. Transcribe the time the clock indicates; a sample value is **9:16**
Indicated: **12:52**
